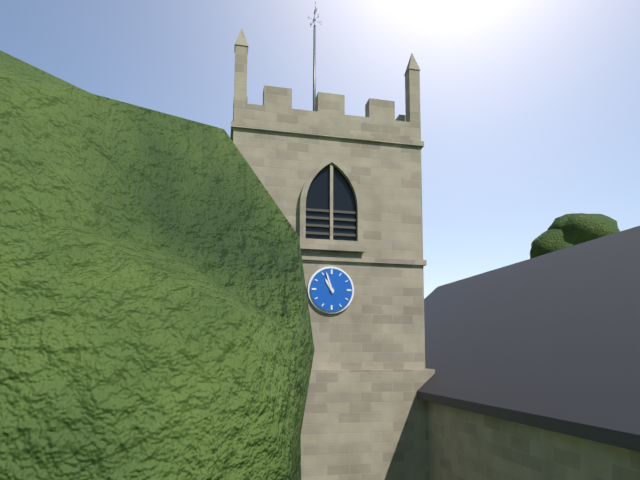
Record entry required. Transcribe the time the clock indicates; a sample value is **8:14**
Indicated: **10:57**
